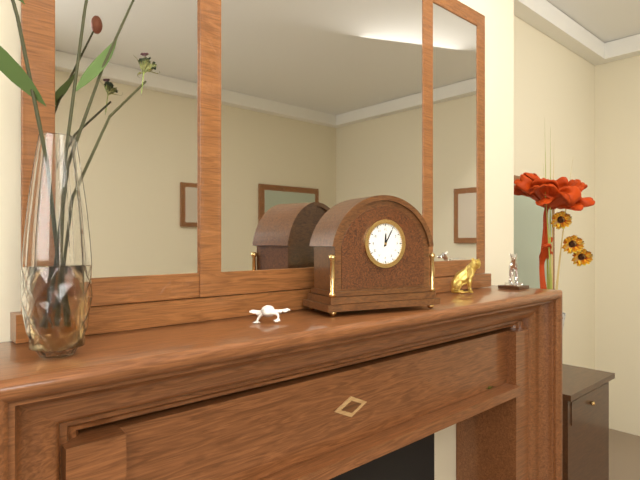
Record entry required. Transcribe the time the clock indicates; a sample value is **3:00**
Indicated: **12:05**
